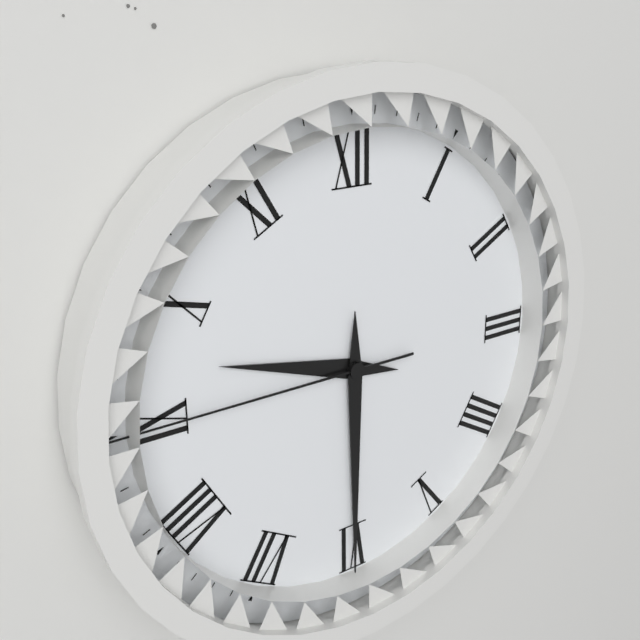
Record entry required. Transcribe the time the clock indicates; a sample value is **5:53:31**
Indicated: **9:30:45**
